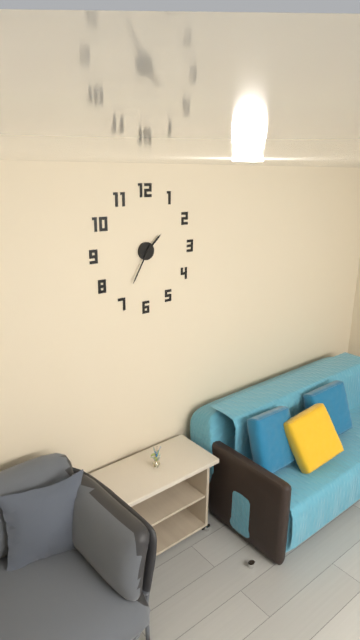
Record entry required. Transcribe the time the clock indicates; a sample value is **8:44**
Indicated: **1:35**
